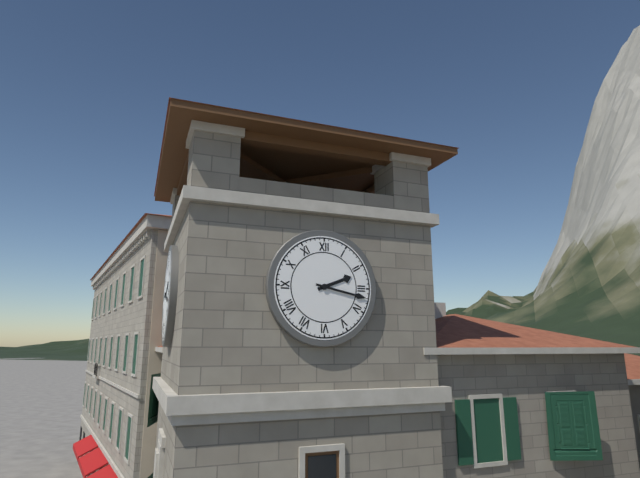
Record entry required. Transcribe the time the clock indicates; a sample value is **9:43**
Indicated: **2:17**
